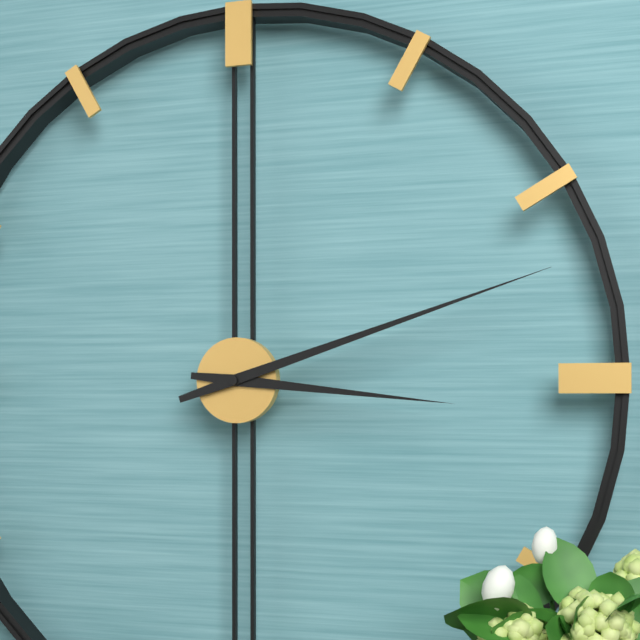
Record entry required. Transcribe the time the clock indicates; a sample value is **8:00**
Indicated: **3:12**
